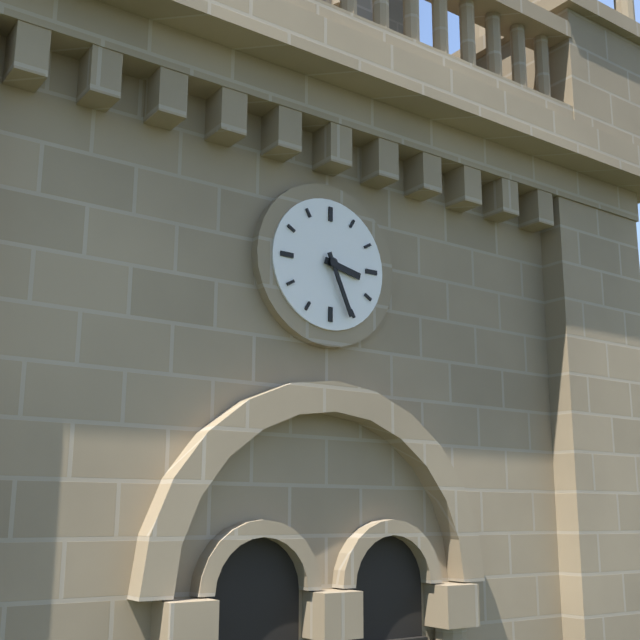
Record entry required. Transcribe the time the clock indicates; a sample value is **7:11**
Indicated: **3:26**
